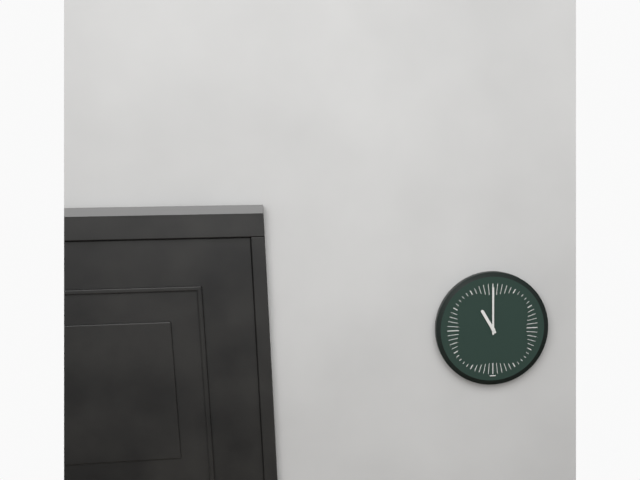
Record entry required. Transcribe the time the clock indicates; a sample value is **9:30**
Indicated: **11:00**
